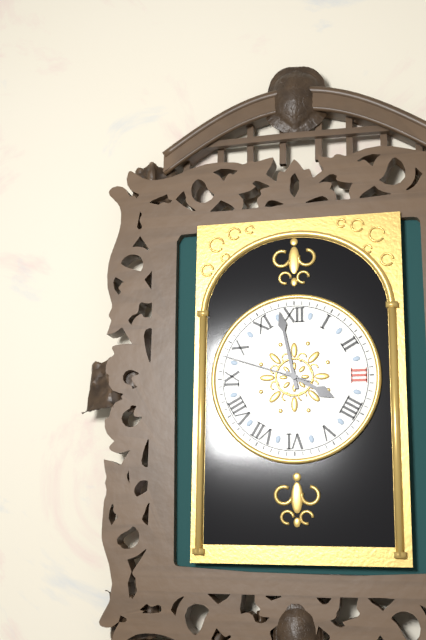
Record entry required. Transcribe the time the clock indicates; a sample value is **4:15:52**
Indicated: **3:58:48**
